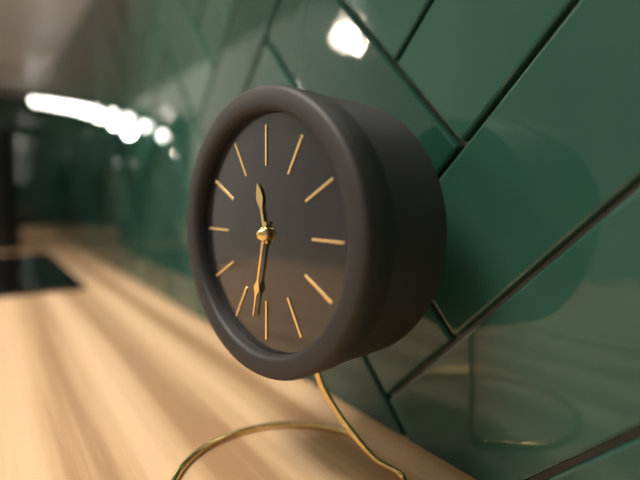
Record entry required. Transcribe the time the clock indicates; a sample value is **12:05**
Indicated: **11:32**
